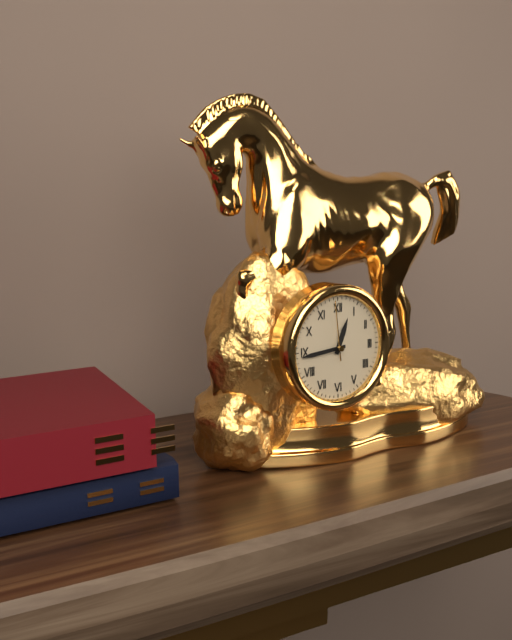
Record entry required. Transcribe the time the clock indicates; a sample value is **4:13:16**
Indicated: **12:44:59**
